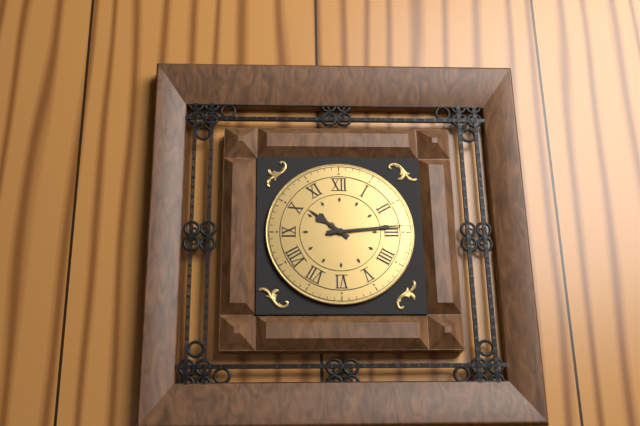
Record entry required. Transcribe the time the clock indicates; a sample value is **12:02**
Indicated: **10:14**
